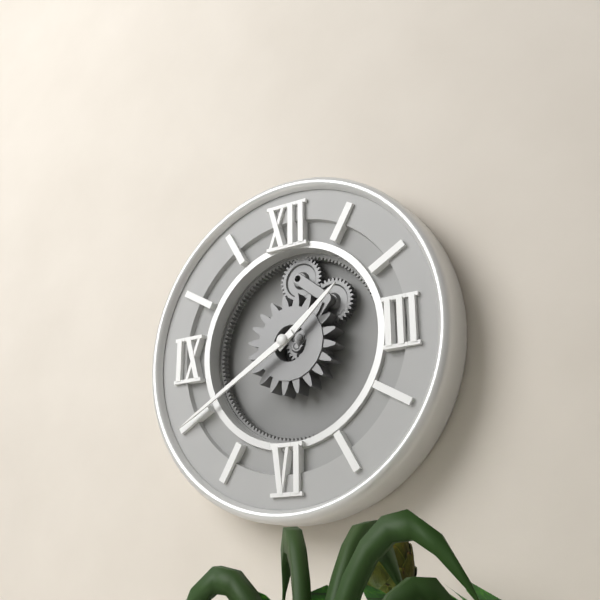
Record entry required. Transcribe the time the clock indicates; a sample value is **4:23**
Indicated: **1:40**
